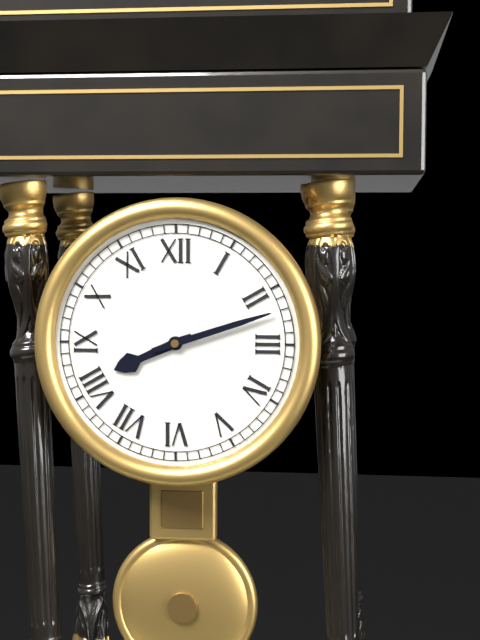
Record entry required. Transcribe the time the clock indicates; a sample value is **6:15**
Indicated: **8:12**
